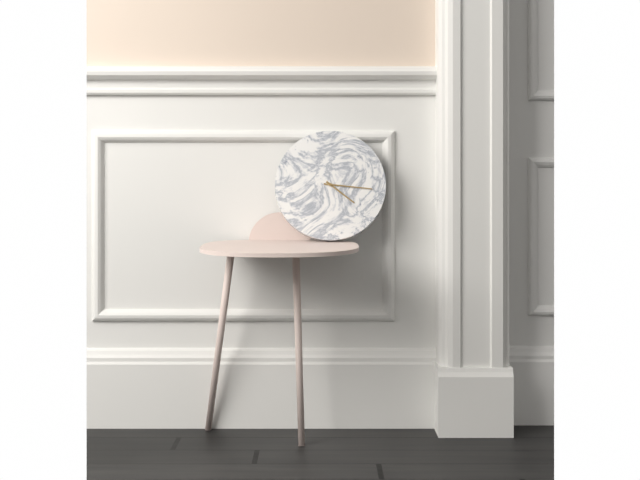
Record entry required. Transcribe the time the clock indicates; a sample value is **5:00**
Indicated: **4:16**
